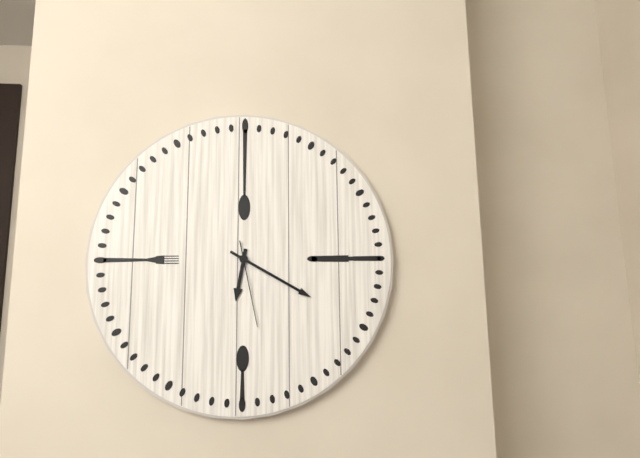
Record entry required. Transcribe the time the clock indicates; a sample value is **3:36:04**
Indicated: **6:20:28**
